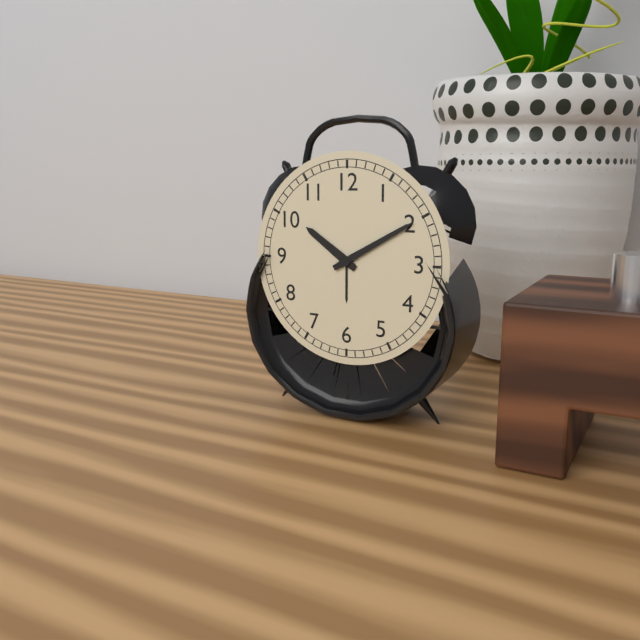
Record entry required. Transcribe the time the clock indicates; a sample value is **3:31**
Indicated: **10:10**
